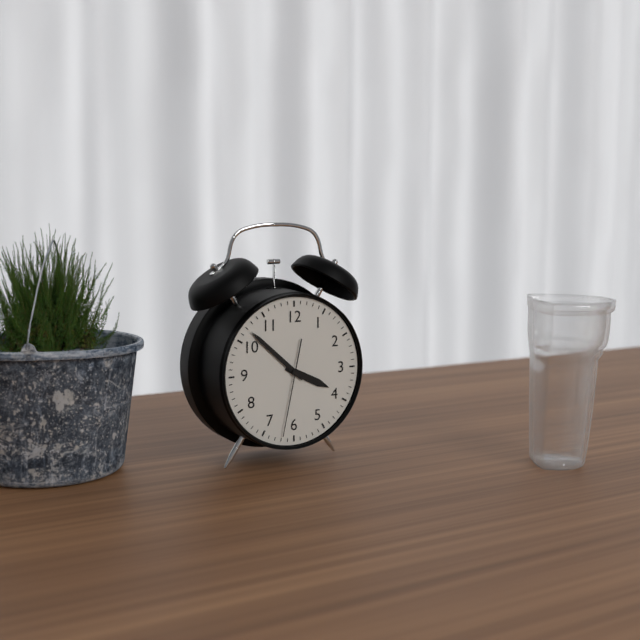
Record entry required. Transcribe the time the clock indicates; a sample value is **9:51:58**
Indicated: **3:52:32**
